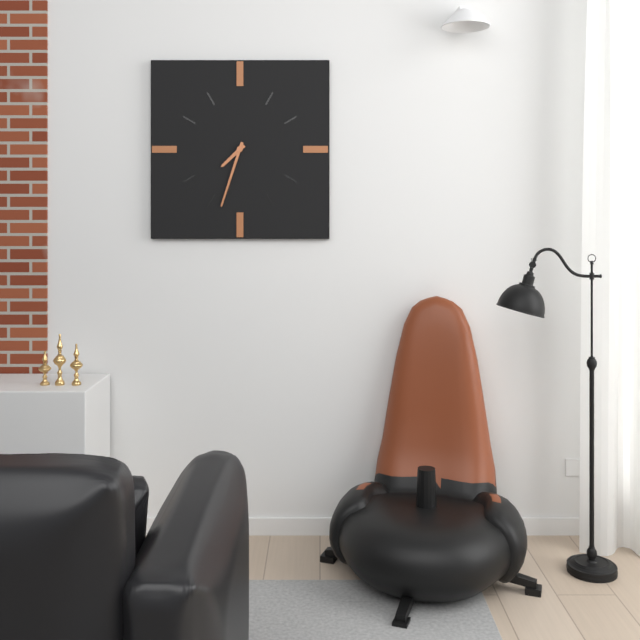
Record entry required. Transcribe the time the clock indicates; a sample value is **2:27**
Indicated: **7:33**
